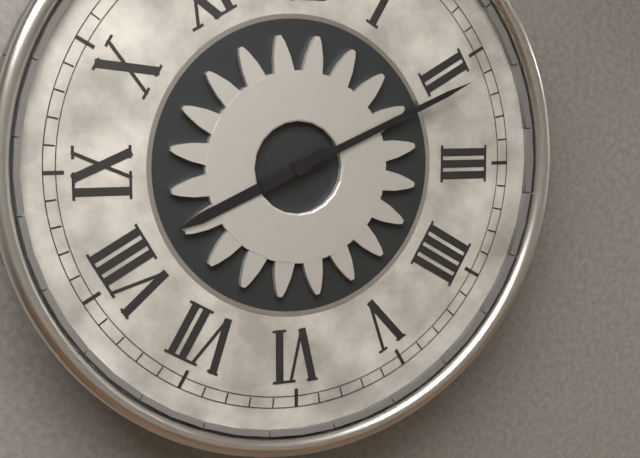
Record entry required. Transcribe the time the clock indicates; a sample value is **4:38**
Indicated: **8:11**
